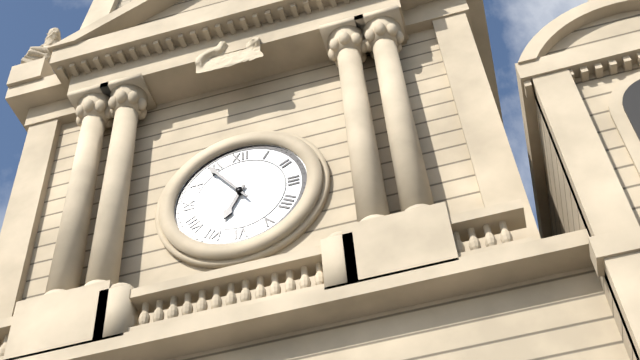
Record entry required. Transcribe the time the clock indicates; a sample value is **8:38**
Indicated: **6:54**
